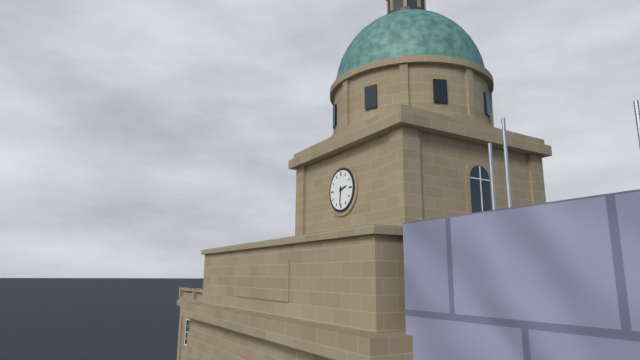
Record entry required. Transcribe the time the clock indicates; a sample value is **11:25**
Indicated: **2:31**
